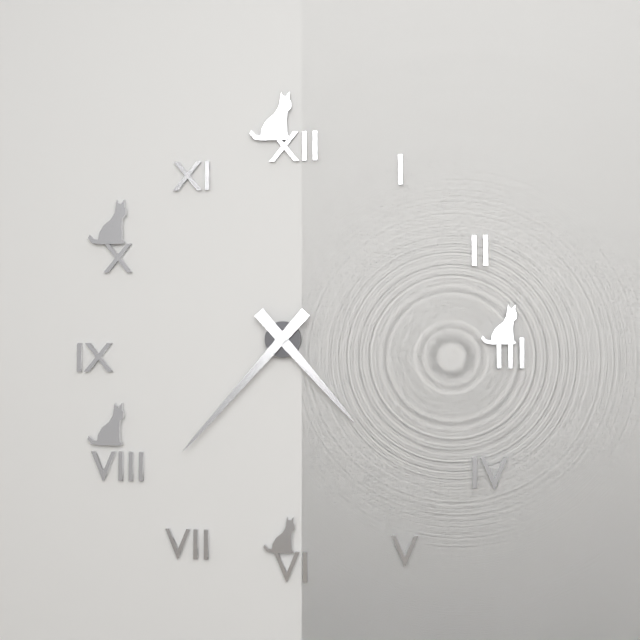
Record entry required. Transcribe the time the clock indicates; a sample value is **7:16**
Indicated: **4:37**
